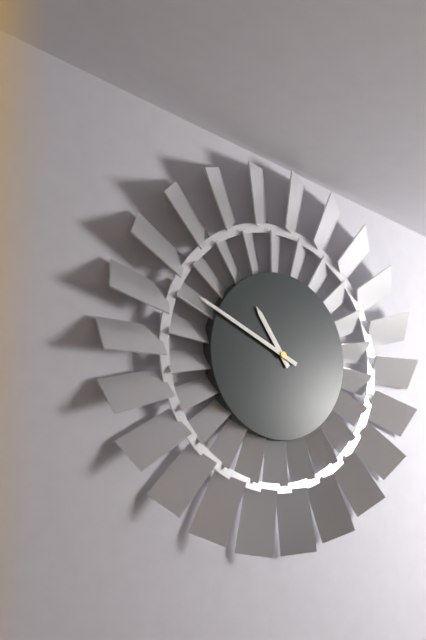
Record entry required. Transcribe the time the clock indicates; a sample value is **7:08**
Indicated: **10:49**
